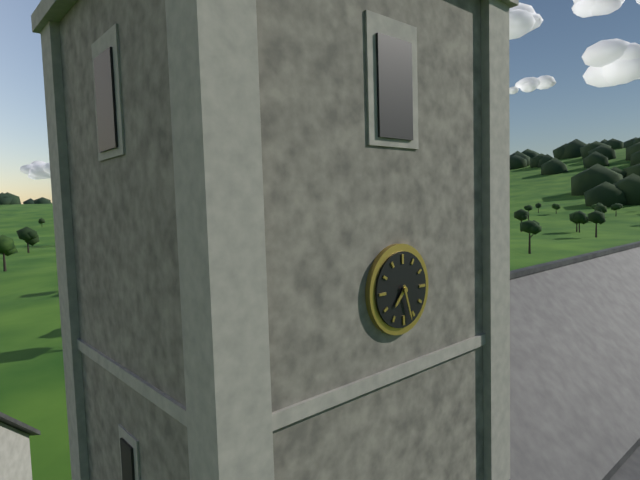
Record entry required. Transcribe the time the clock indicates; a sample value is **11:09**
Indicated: **7:27**
